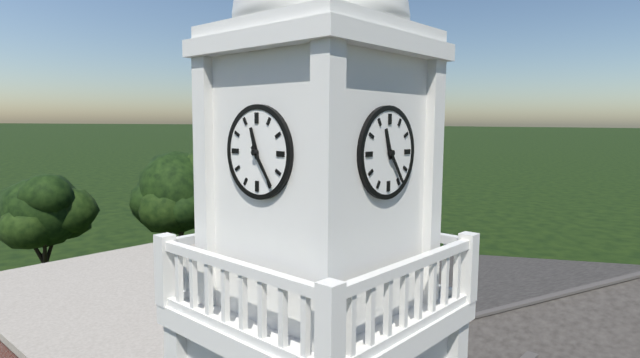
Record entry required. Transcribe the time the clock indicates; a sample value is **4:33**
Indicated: **11:24**
